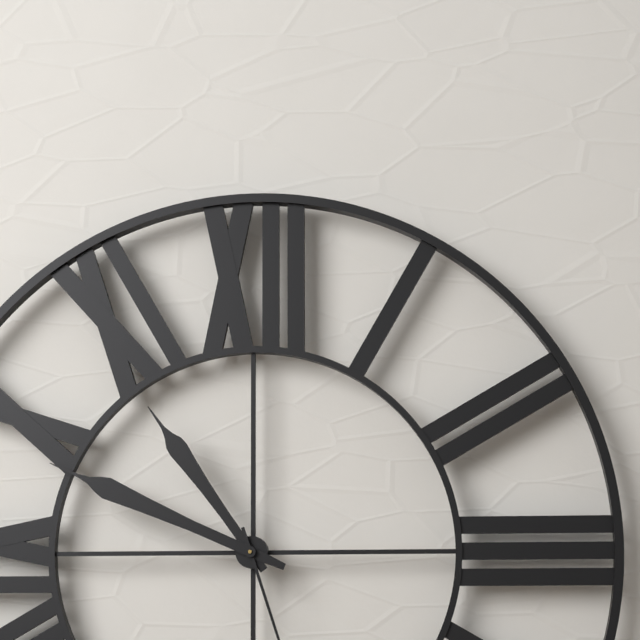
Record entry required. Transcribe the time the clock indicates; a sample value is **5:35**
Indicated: **10:49**
